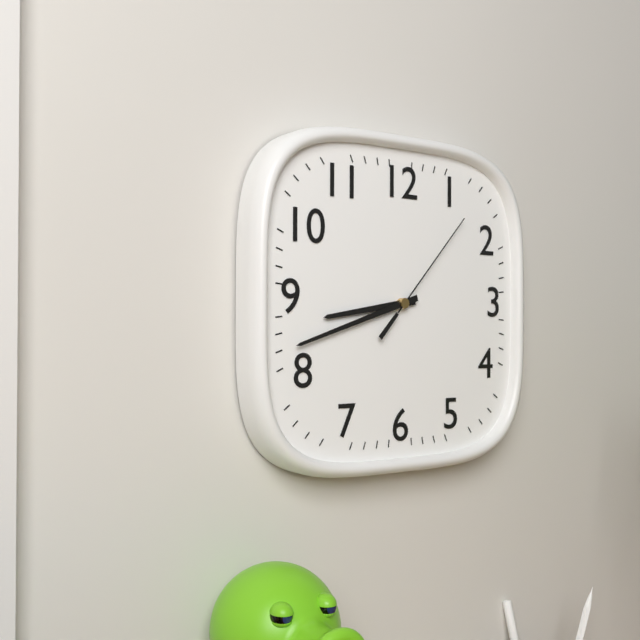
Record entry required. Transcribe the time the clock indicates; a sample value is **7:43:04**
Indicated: **8:42:07**
